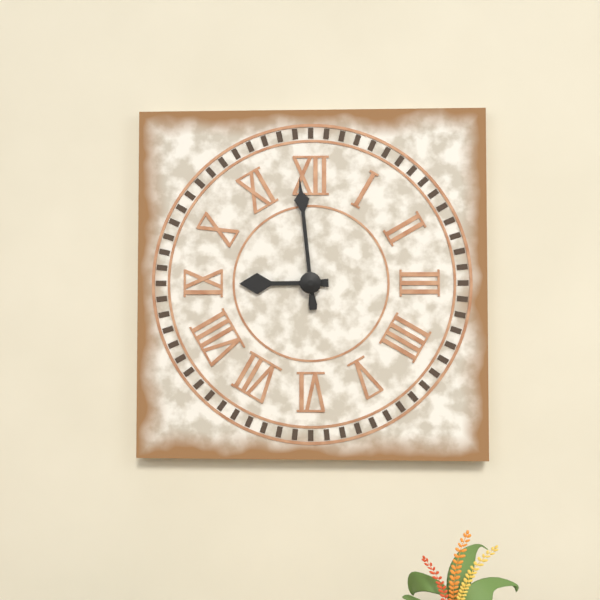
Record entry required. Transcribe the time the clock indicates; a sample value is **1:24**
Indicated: **8:59**
